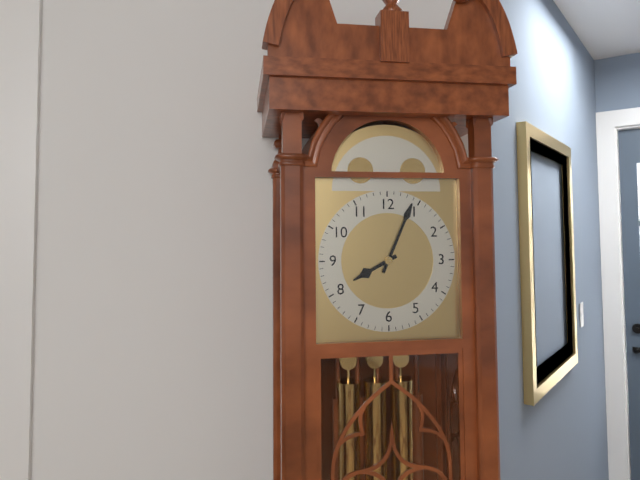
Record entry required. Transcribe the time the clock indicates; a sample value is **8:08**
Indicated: **8:04**
